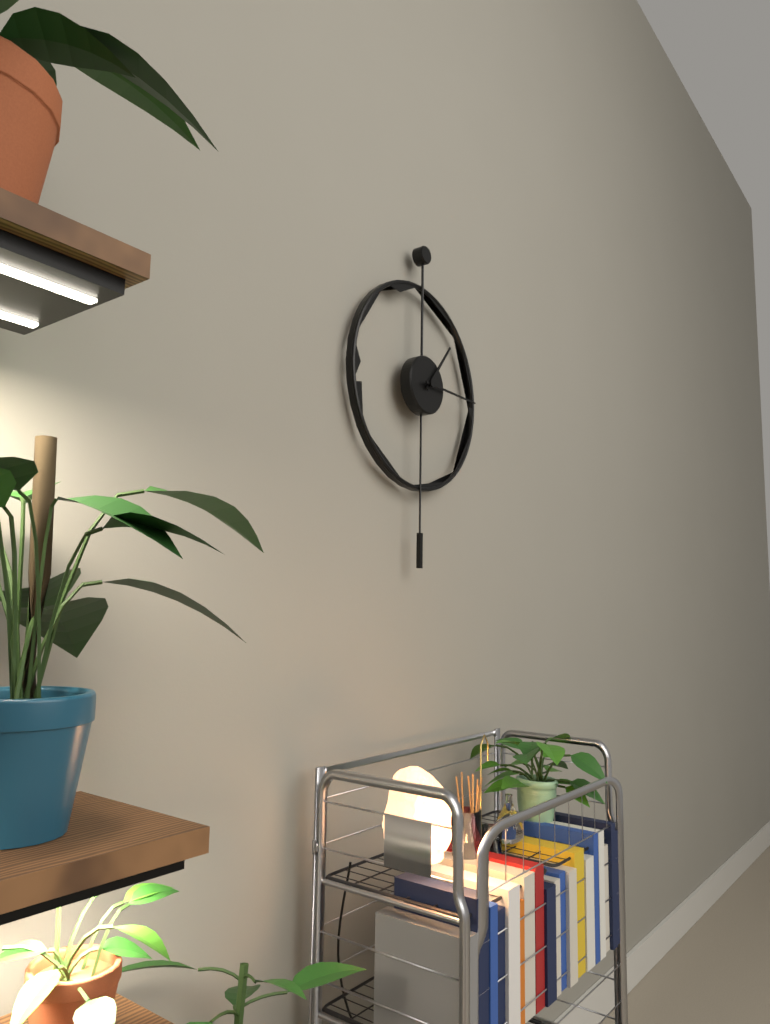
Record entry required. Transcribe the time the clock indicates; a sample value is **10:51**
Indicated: **1:15**
